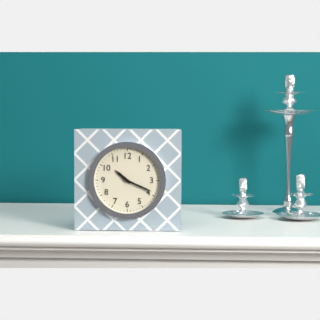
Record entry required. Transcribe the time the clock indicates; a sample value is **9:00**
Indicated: **10:19**
